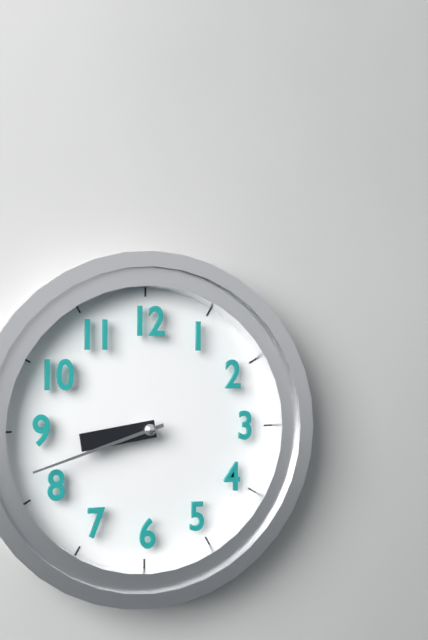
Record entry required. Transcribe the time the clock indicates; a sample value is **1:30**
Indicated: **8:42**
